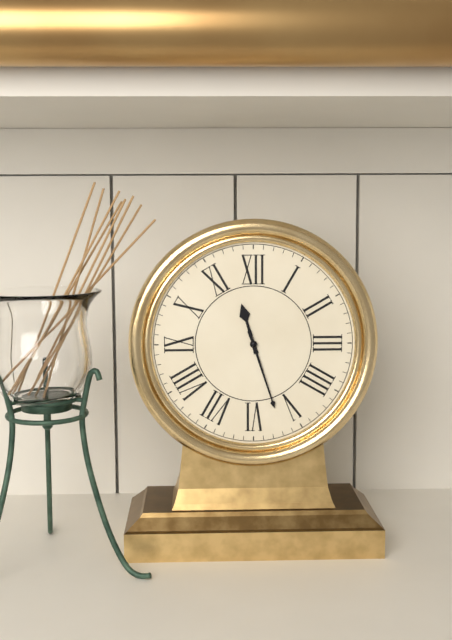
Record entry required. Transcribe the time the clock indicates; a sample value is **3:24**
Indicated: **11:27**
